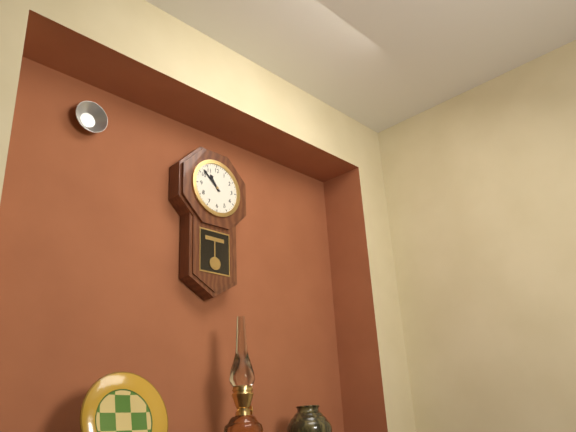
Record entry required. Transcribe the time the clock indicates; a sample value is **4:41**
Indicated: **10:52**
